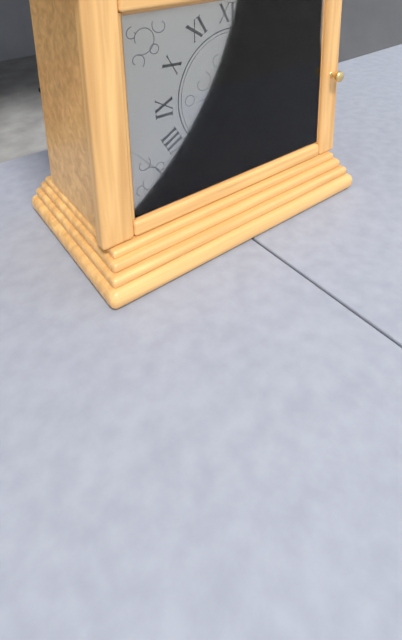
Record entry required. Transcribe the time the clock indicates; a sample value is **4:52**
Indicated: **3:01**
